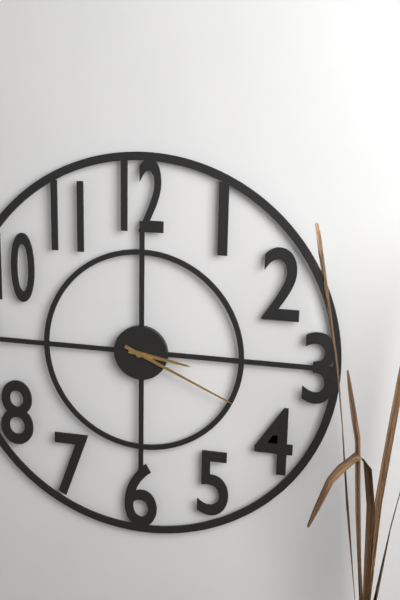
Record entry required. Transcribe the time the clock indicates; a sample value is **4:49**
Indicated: **3:19**
